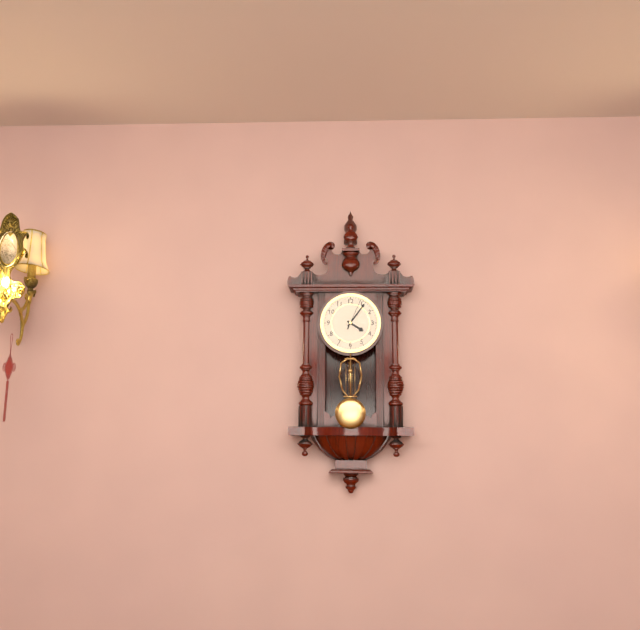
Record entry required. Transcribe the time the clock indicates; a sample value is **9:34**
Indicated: **4:06**
